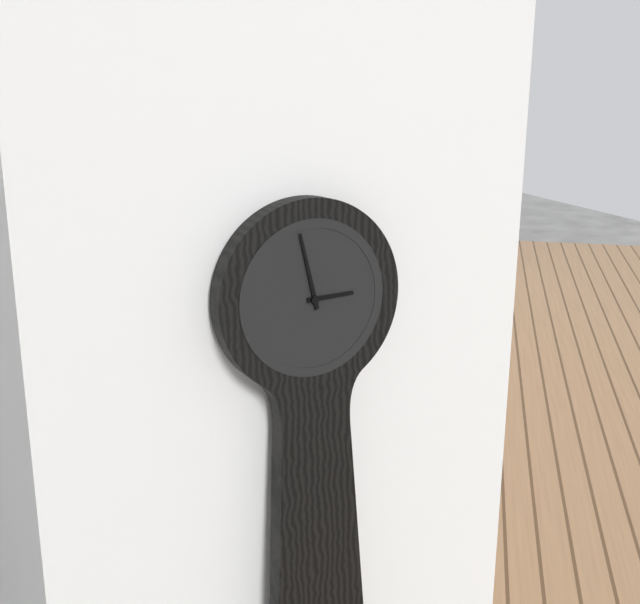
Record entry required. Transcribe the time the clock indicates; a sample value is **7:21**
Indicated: **2:58**
